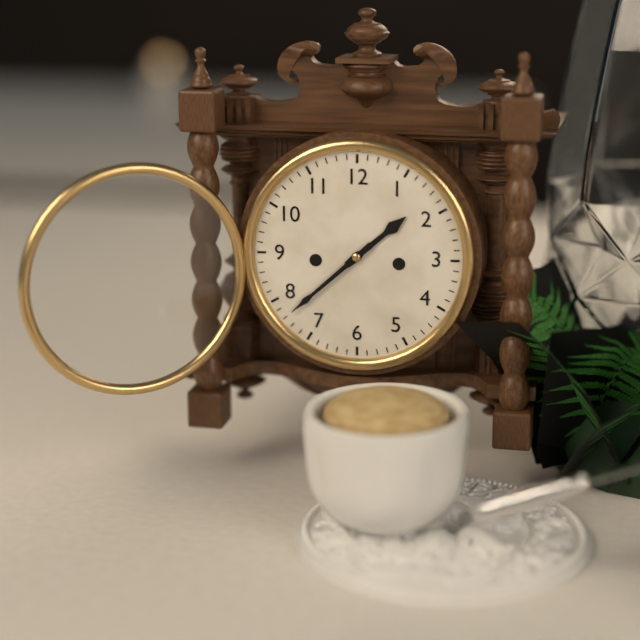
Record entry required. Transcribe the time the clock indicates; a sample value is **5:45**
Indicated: **1:38**
